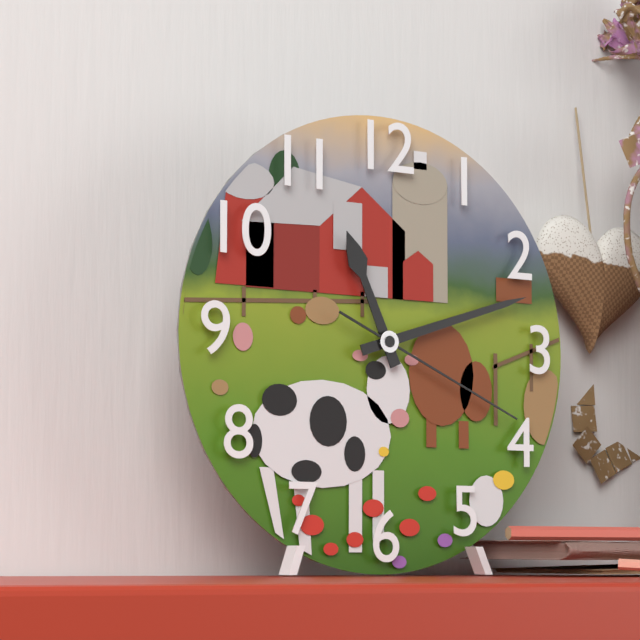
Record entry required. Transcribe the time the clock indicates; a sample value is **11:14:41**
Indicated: **11:12:19**
